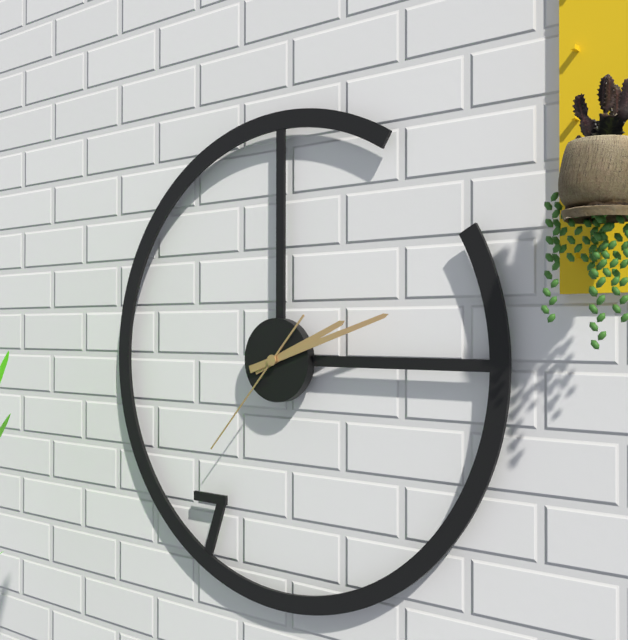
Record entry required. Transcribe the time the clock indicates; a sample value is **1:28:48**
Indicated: **2:12:37**
